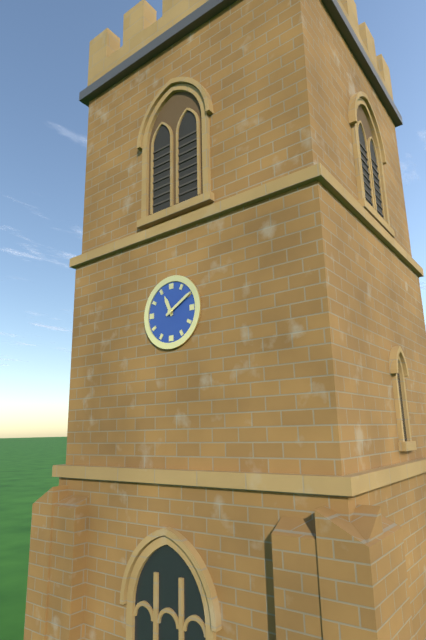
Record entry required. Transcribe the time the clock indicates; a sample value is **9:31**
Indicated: **11:10**
